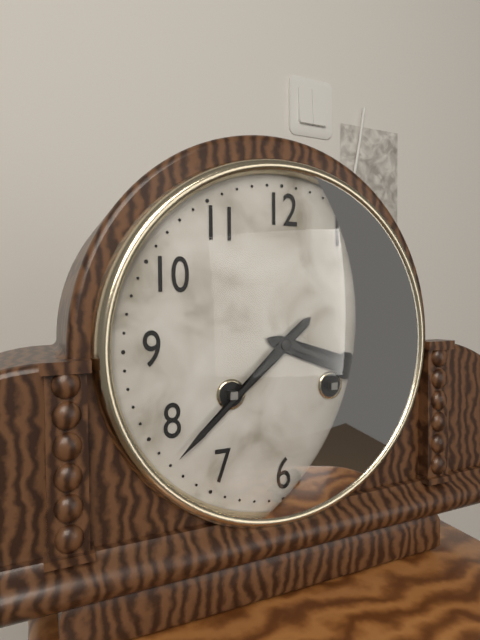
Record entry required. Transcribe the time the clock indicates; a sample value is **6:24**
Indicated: **3:38**
